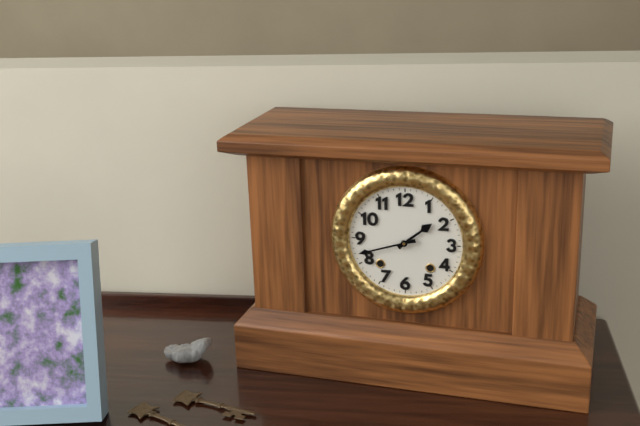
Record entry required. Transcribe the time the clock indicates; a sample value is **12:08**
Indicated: **1:42**
